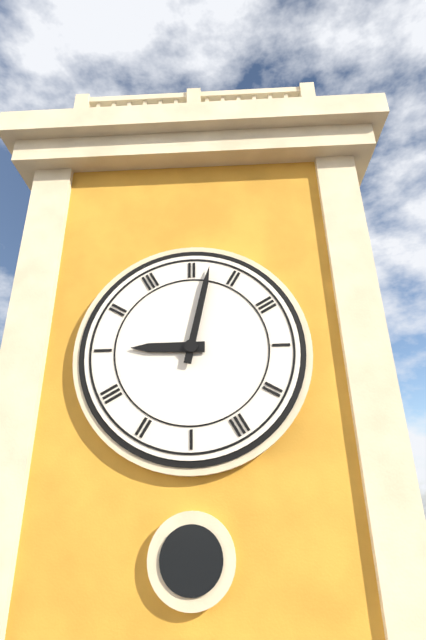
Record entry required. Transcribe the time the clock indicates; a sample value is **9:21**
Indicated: **9:02**
